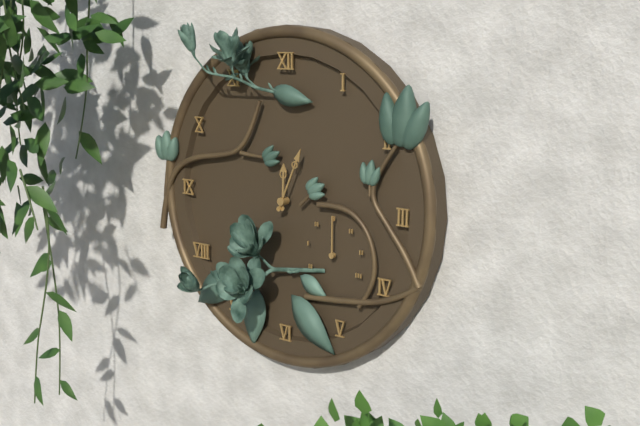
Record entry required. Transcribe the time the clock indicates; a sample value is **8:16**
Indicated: **12:04**
